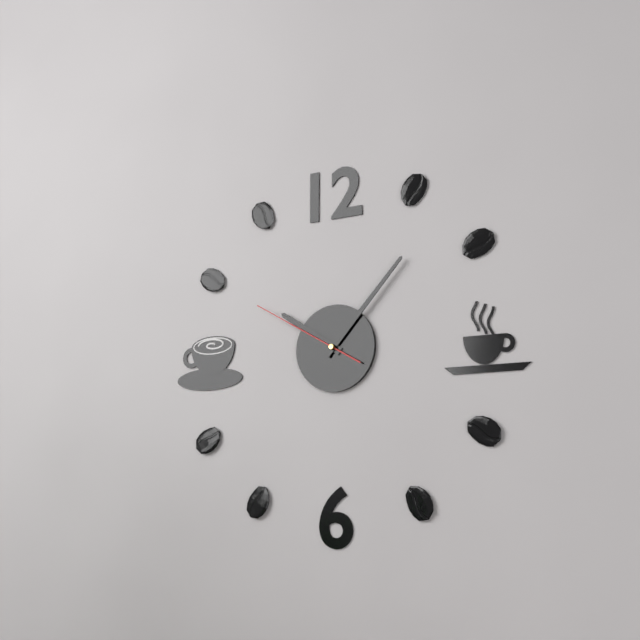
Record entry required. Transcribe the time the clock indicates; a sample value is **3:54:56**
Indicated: **10:07:50**
